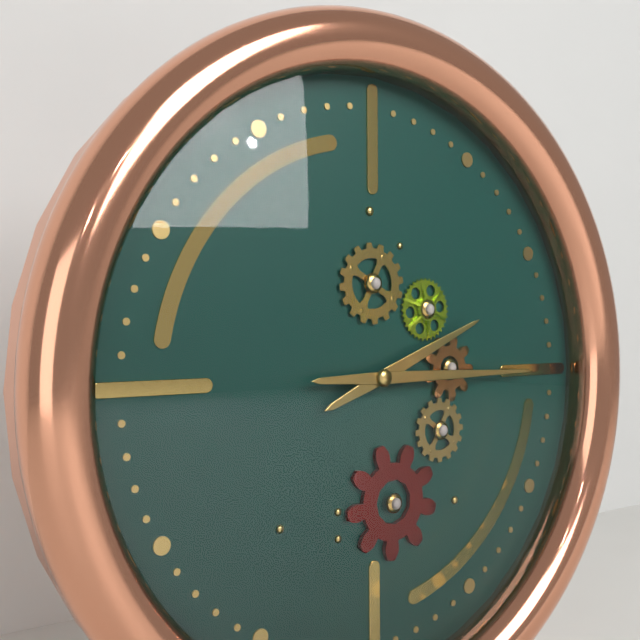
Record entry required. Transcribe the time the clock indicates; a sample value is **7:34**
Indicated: **2:15**
